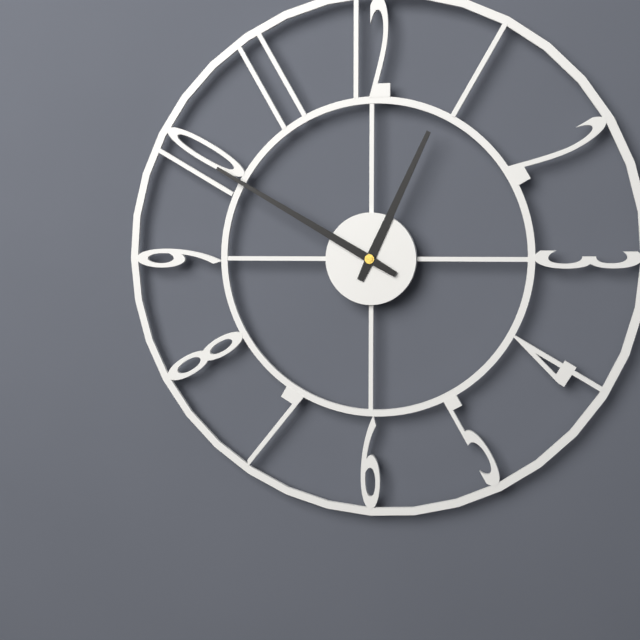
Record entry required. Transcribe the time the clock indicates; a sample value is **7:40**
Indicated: **12:50**
